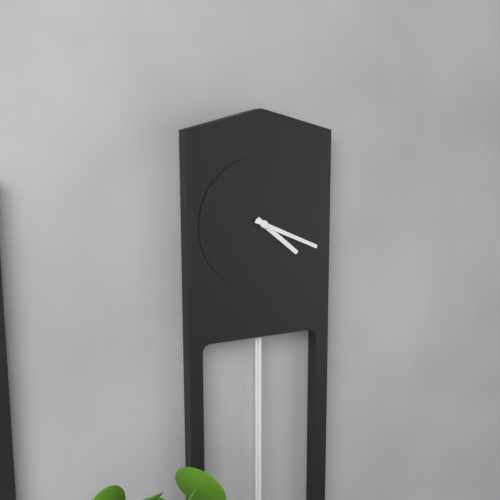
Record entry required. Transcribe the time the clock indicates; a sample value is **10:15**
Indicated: **4:19**
